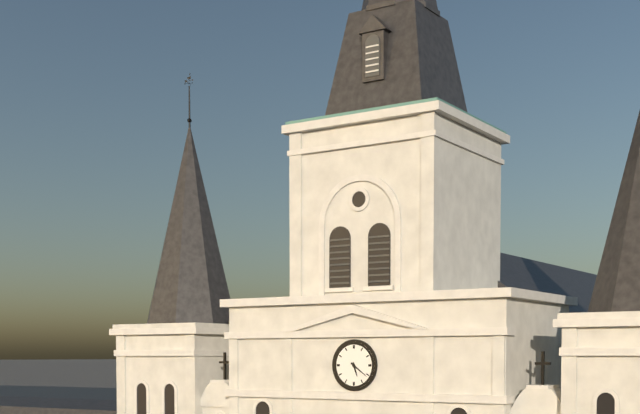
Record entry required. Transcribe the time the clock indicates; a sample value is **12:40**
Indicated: **5:21**
